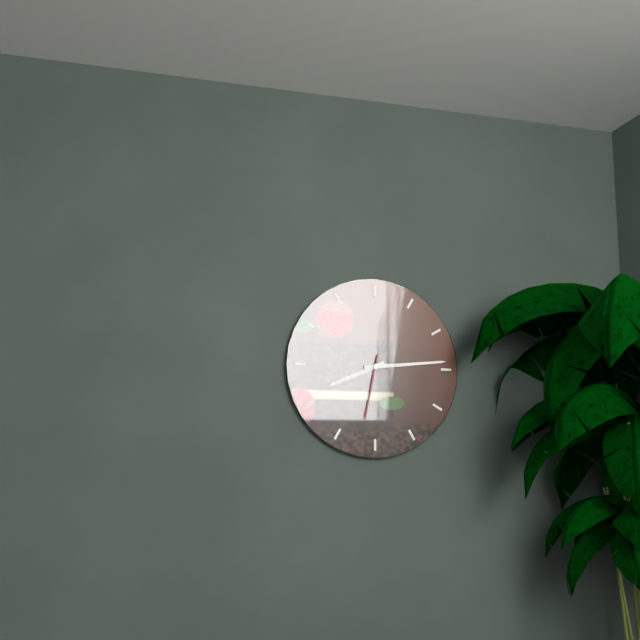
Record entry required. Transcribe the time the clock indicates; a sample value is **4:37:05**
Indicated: **8:14:32**
